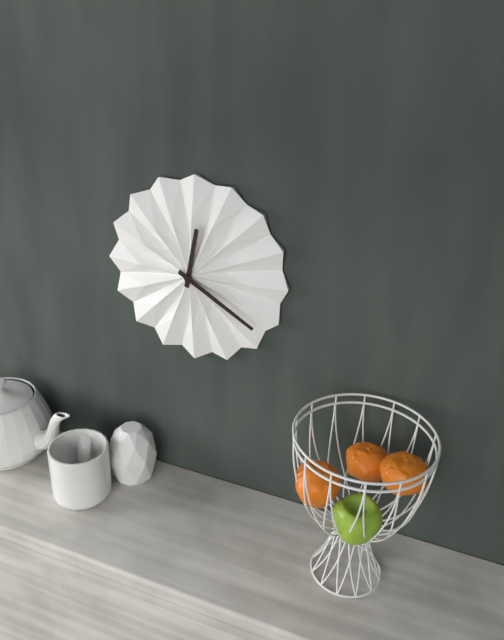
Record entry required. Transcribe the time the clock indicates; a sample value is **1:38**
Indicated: **12:20**
